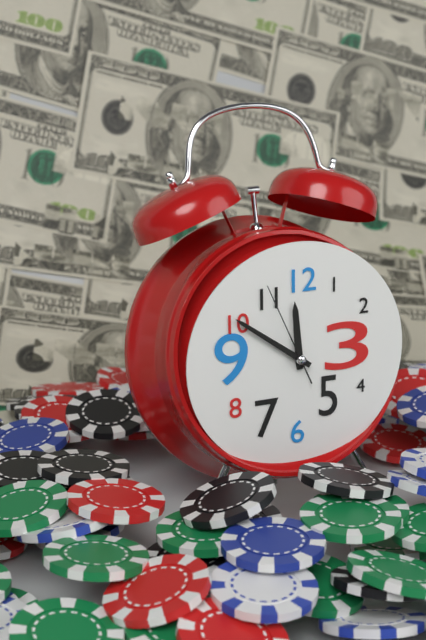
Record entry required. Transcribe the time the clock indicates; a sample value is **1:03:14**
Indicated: **11:51:56**
